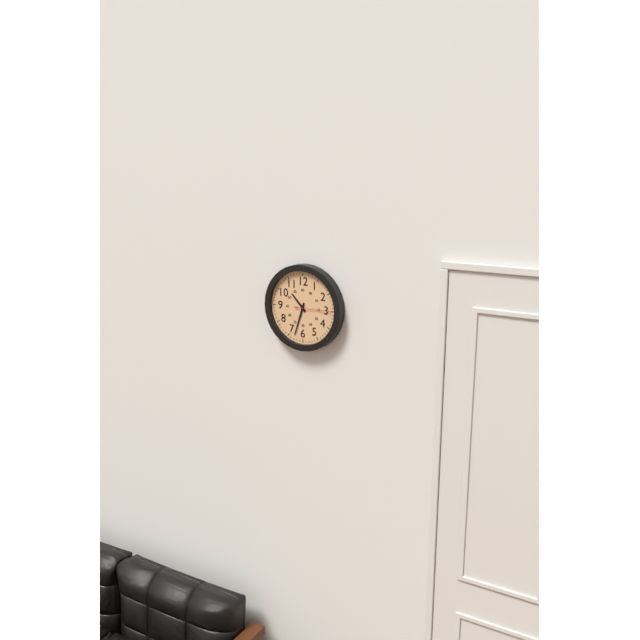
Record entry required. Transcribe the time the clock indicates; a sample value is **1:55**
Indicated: **10:33**
